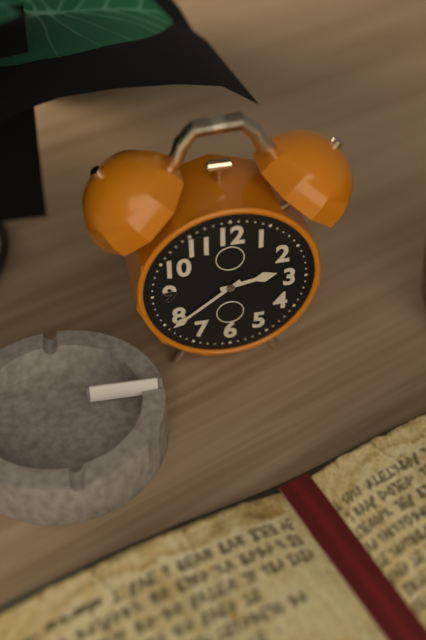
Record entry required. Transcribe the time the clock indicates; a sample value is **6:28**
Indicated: **2:39**
